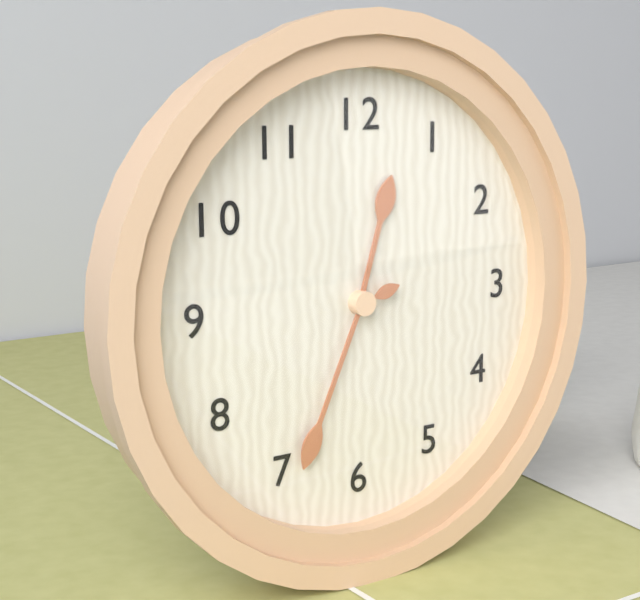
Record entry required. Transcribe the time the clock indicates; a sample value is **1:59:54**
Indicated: **12:34:12**
